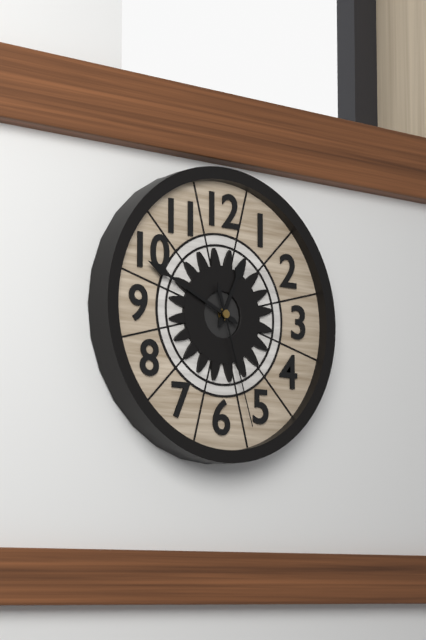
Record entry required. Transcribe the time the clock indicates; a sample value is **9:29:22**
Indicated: **12:49:27**
